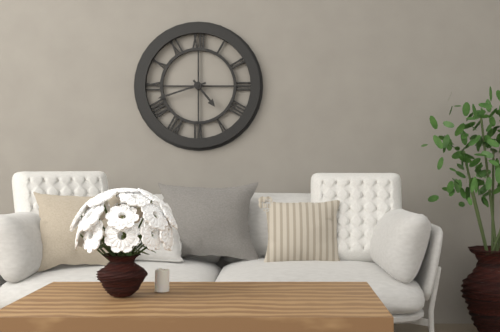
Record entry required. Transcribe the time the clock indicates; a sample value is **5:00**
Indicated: **4:42**
